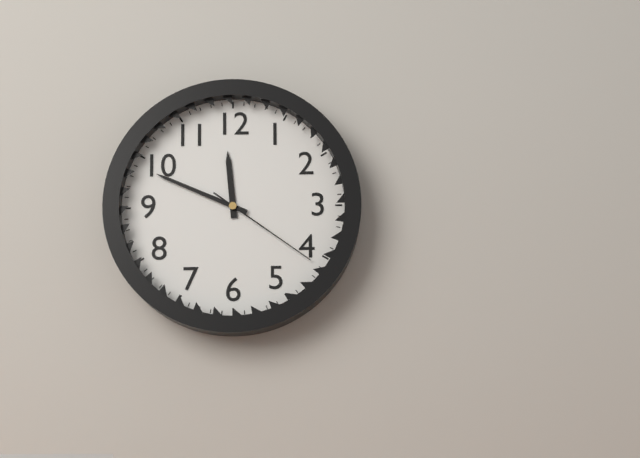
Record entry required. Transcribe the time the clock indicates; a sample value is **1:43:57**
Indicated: **11:49:21**
